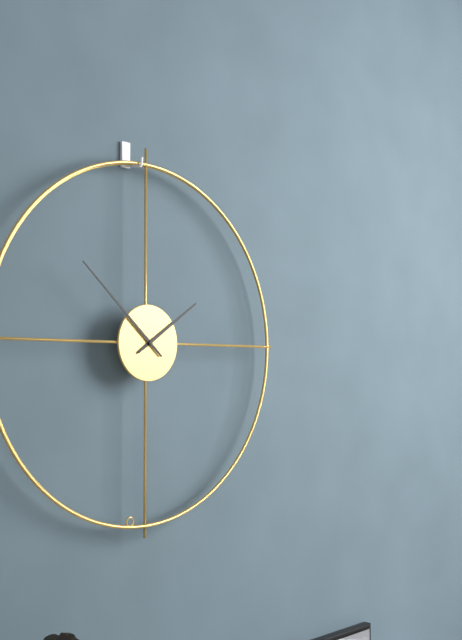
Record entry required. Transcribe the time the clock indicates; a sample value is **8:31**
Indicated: **1:52**
